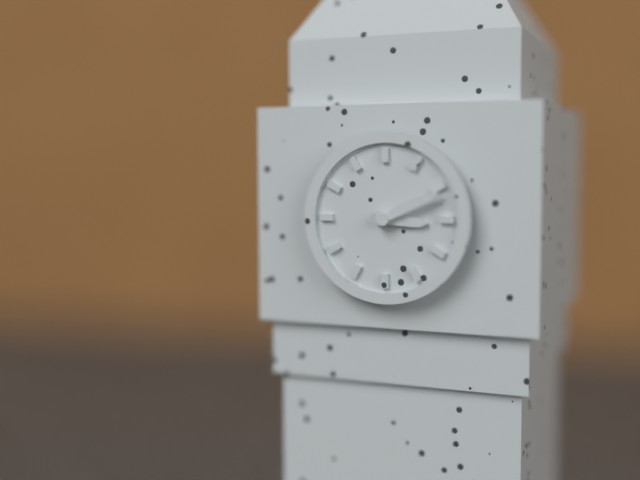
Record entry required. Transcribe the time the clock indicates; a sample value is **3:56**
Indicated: **3:11**
